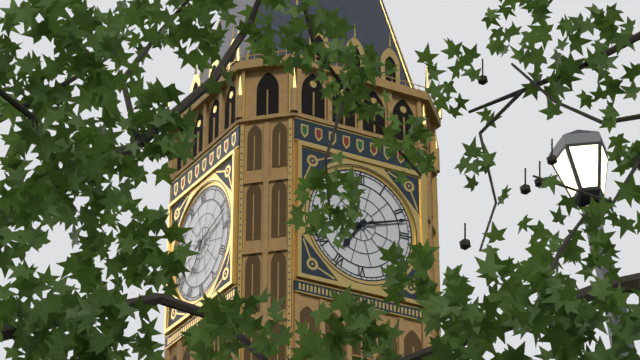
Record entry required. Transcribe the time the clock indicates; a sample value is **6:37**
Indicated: **7:12**
